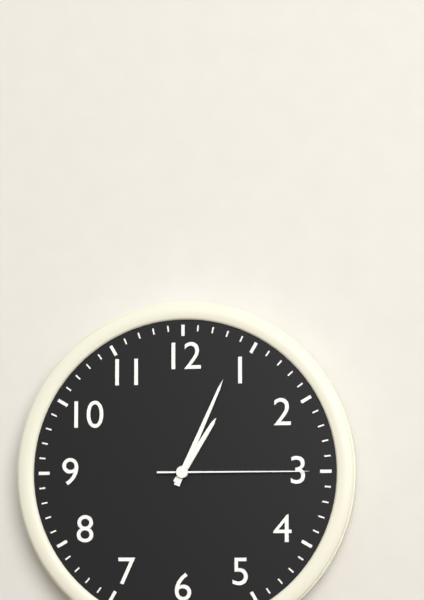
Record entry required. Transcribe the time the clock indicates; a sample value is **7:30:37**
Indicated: **1:04:15**
